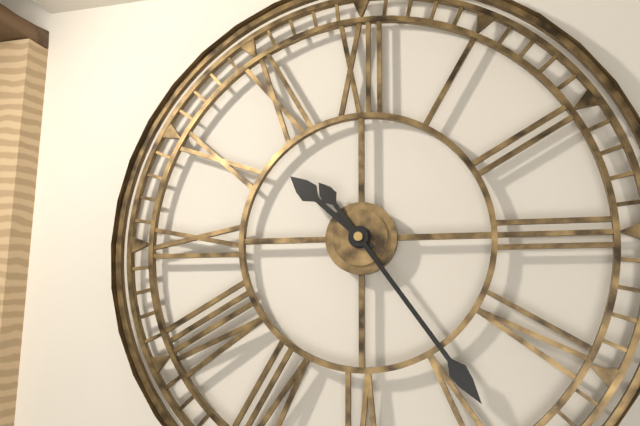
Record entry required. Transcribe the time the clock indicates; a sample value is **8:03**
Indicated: **10:24**
